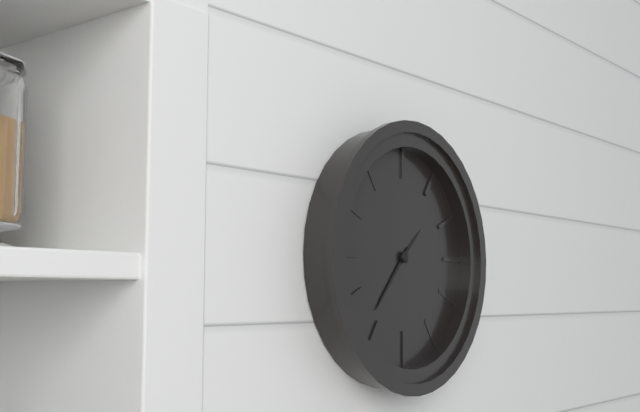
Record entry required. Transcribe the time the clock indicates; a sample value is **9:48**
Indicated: **1:37**
